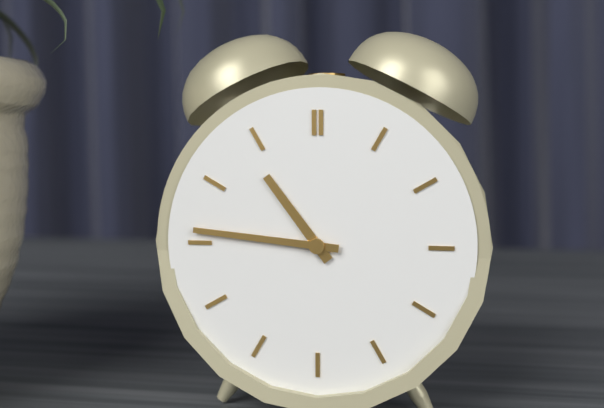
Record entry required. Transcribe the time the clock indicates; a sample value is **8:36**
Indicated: **10:46**
